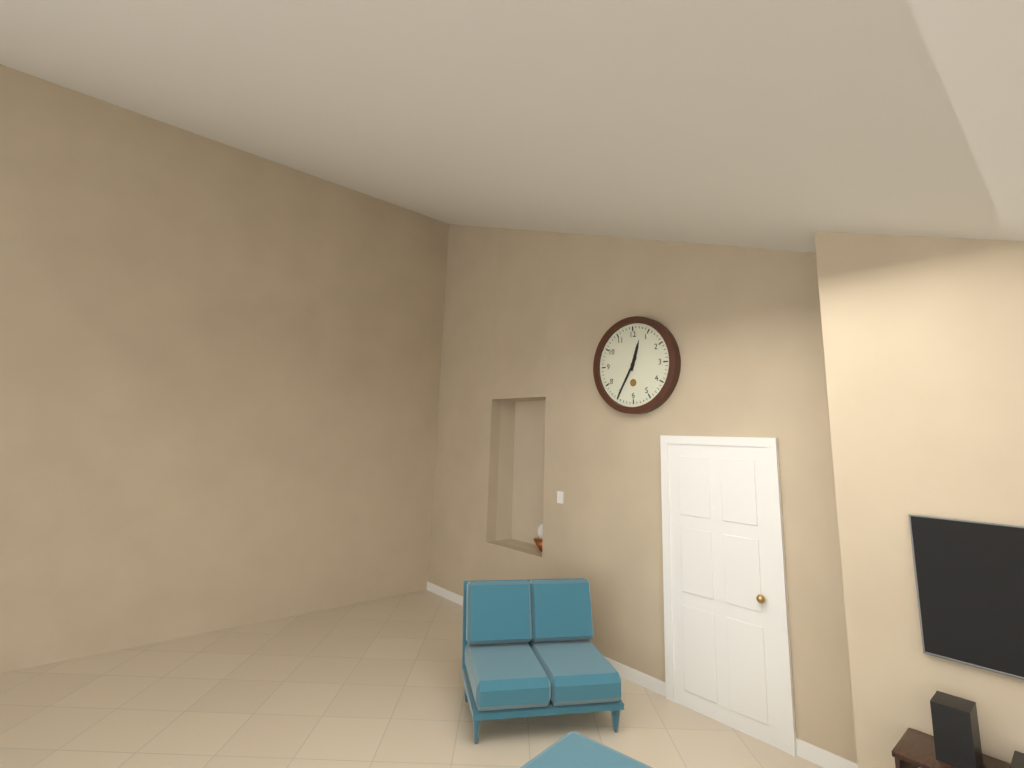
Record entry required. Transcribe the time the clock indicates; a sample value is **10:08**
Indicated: **12:35**
